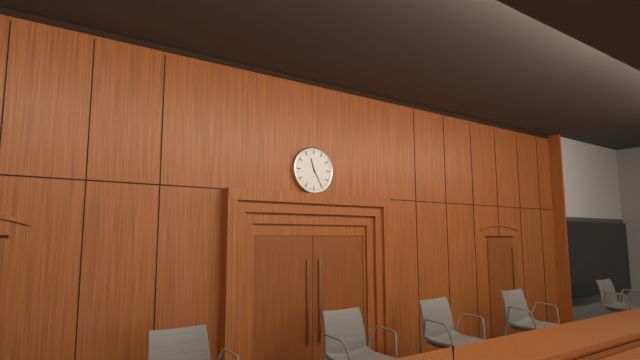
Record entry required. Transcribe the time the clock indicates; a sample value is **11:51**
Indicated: **11:25**
